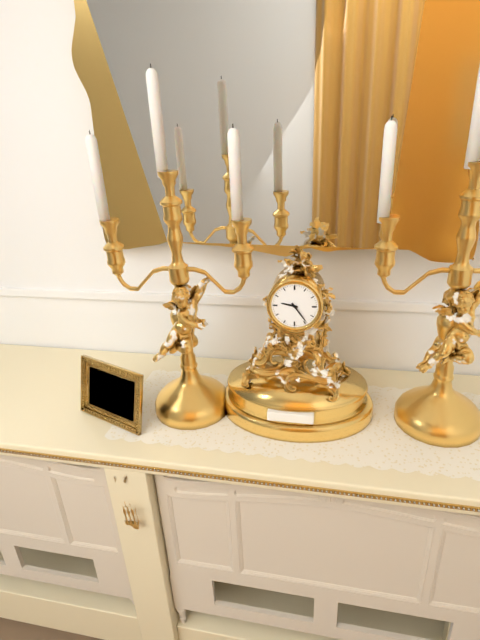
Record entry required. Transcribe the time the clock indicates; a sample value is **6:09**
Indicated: **9:24**
